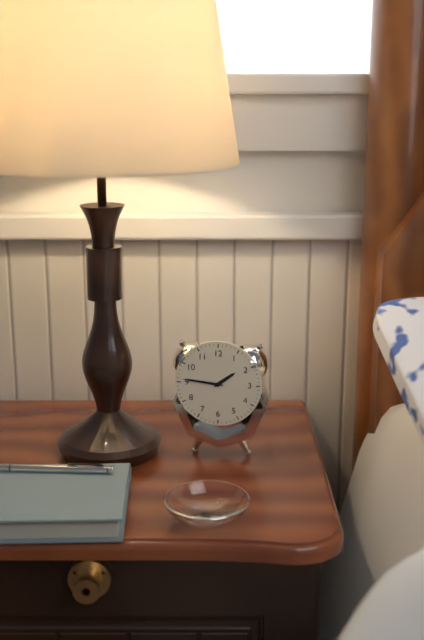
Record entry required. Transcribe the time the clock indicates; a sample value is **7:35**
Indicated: **1:46**
